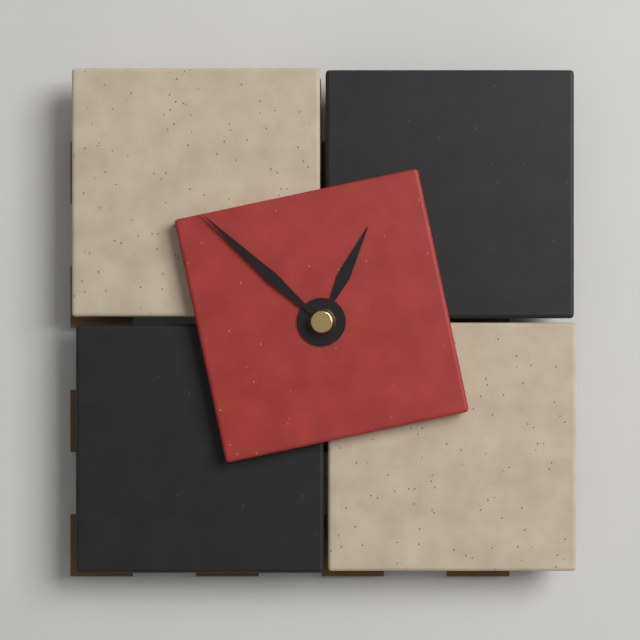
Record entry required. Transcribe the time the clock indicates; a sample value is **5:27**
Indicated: **12:52**
